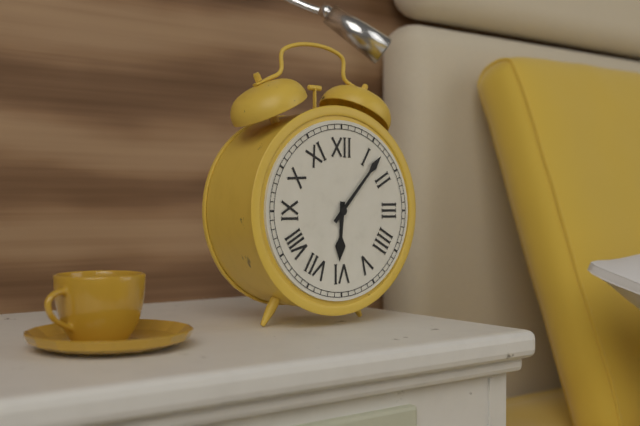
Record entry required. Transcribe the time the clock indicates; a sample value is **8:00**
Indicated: **6:07**
